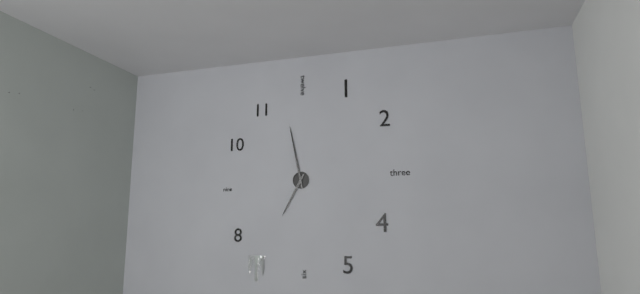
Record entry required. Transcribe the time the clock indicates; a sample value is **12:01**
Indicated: **6:58**
